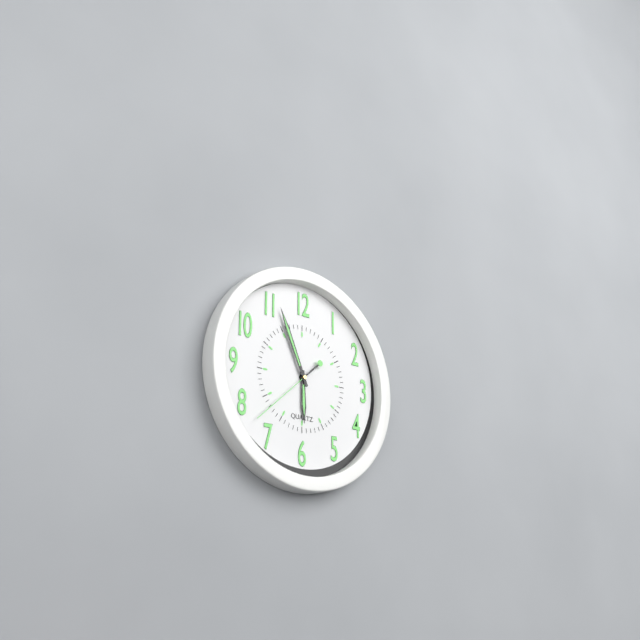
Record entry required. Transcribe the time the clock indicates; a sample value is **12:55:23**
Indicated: **5:56:38**
